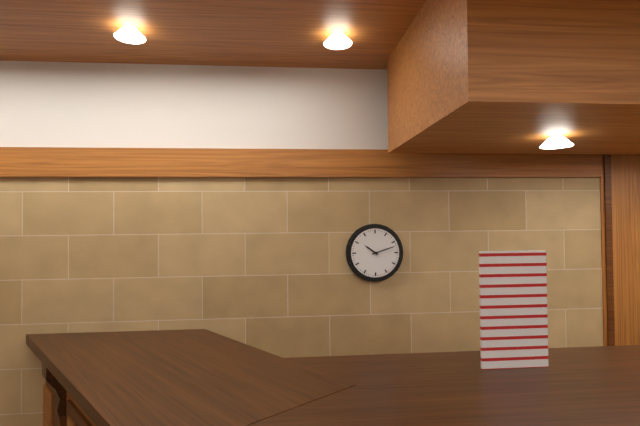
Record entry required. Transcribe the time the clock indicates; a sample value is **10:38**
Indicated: **10:12**
